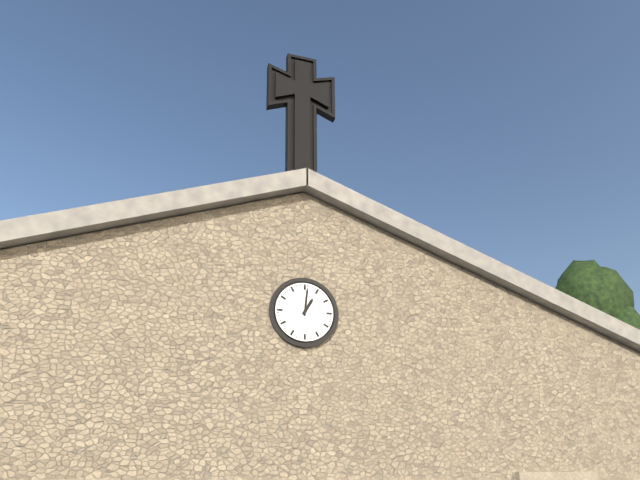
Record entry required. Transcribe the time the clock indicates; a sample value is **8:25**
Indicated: **1:01**
